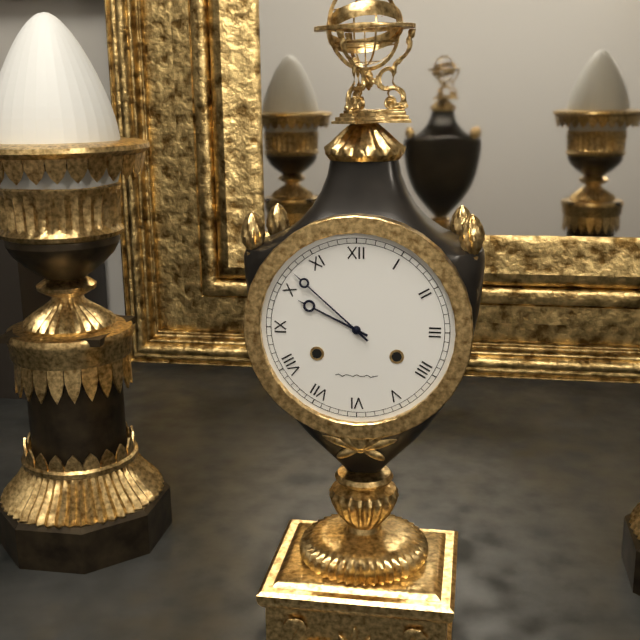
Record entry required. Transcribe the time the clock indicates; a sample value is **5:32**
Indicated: **9:52**
